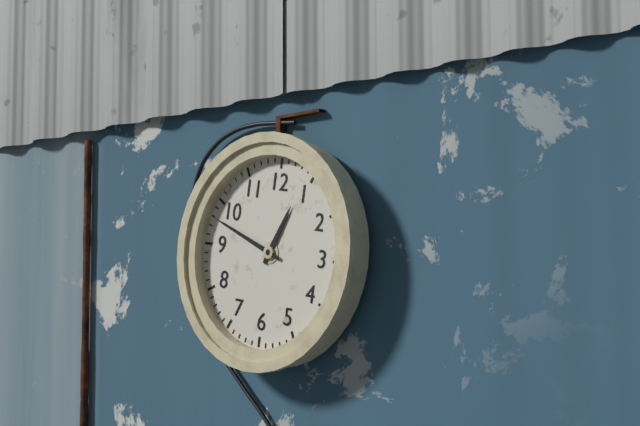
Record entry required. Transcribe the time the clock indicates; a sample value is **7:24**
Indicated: **12:48**
